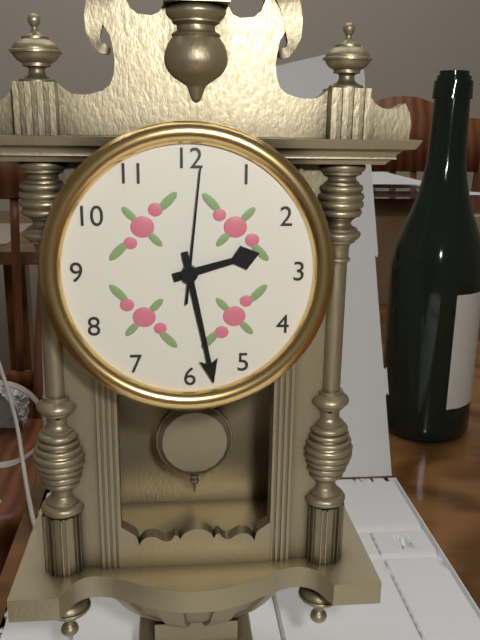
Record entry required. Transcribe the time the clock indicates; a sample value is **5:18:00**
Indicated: **2:28:01**
